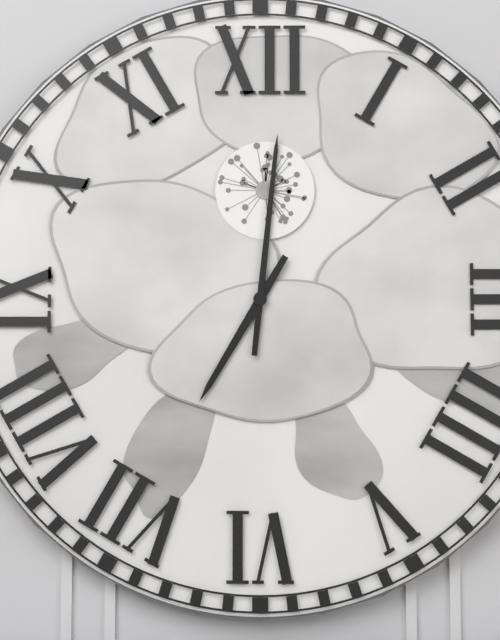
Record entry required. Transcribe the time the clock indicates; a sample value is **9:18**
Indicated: **7:01**
